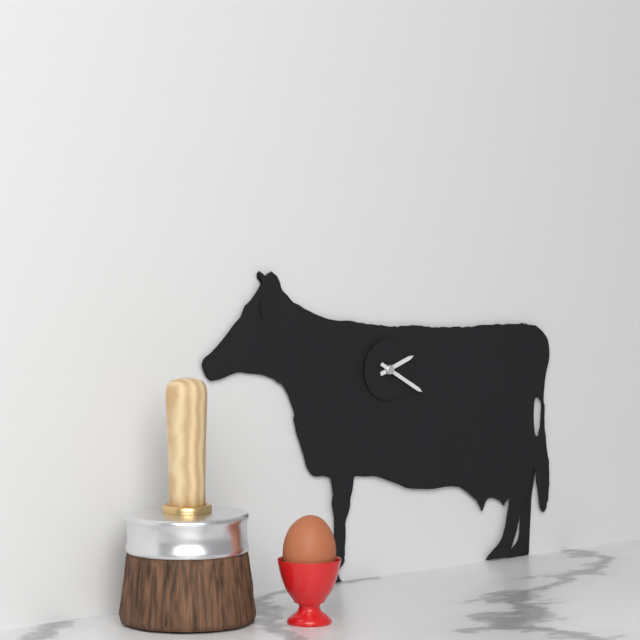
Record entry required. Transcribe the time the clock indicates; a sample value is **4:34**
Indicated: **2:20**
